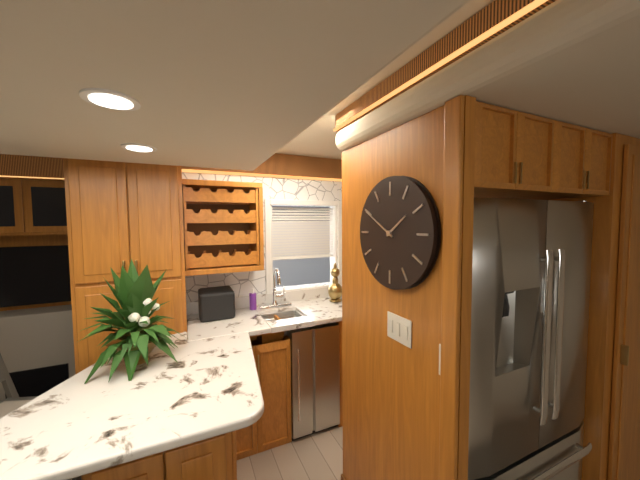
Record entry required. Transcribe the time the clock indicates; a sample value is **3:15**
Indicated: **1:50**
